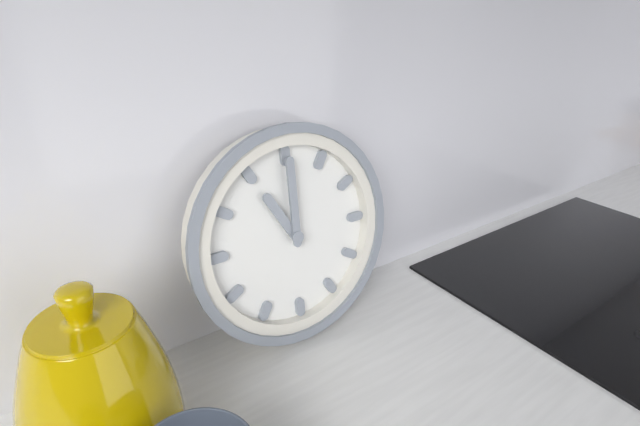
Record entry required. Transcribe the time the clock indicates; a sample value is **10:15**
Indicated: **11:00**
